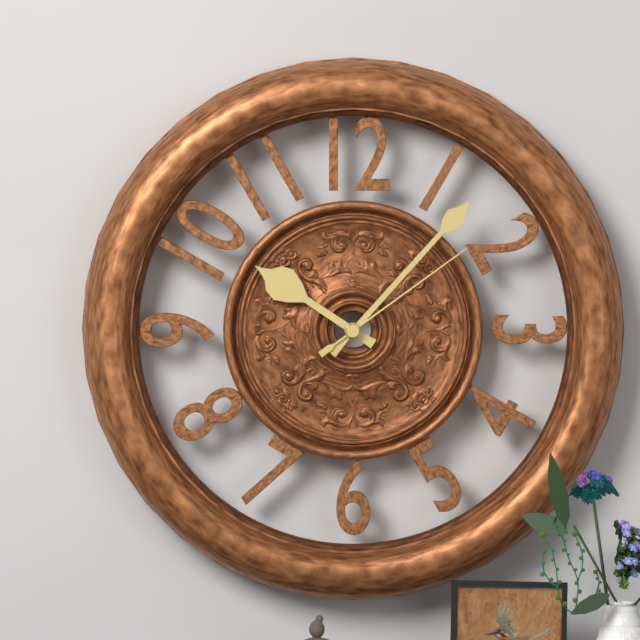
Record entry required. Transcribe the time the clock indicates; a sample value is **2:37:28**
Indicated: **10:07:09**
